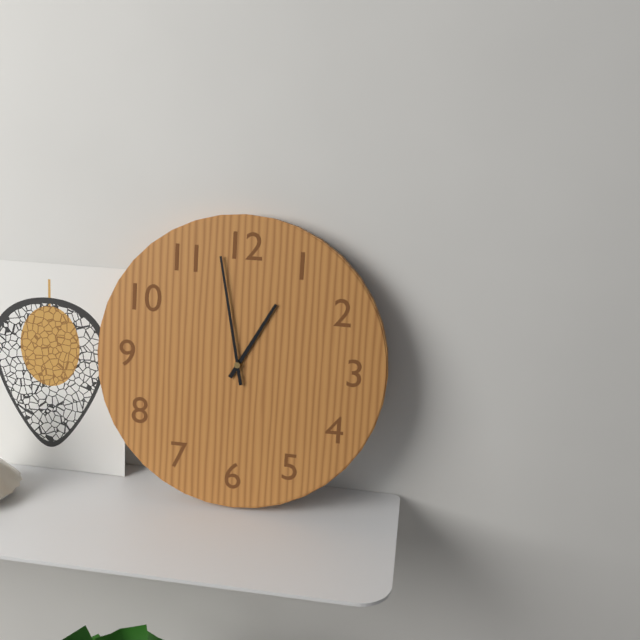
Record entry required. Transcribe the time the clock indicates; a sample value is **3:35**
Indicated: **12:58**
